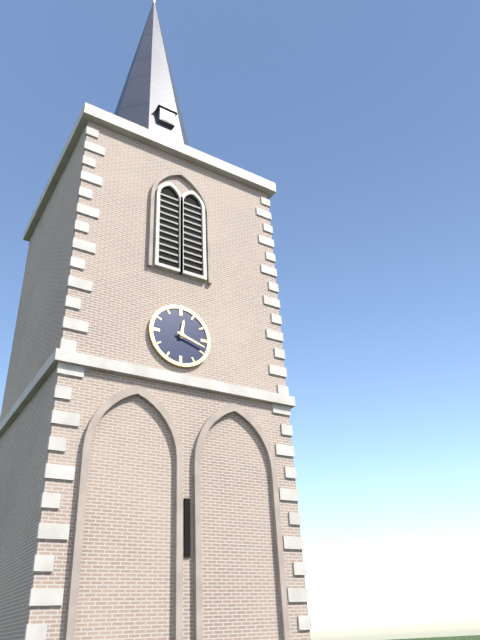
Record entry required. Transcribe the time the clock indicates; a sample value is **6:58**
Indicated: **12:18**
